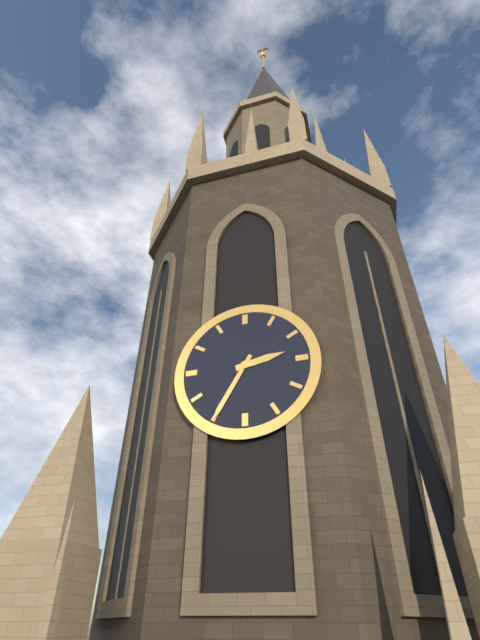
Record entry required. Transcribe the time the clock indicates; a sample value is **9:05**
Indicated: **2:35**
